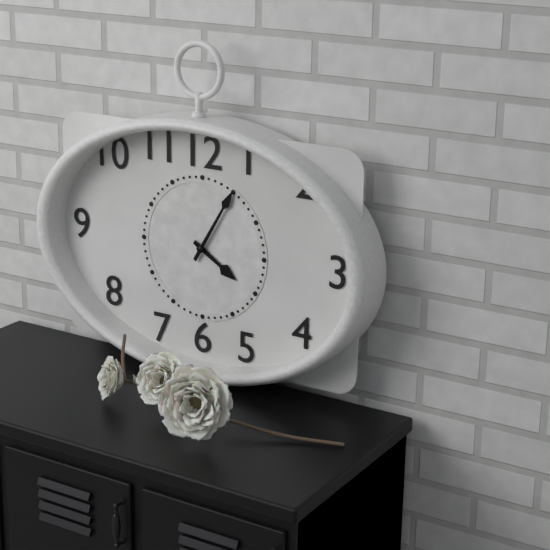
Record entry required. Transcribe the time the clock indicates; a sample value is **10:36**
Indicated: **4:05**
